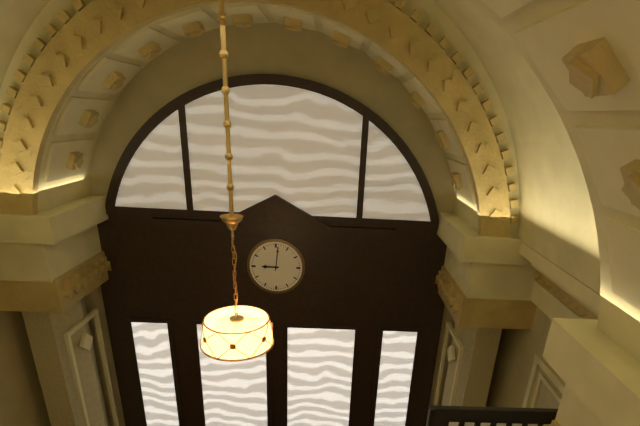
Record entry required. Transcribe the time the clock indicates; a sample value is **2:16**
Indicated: **9:01**
